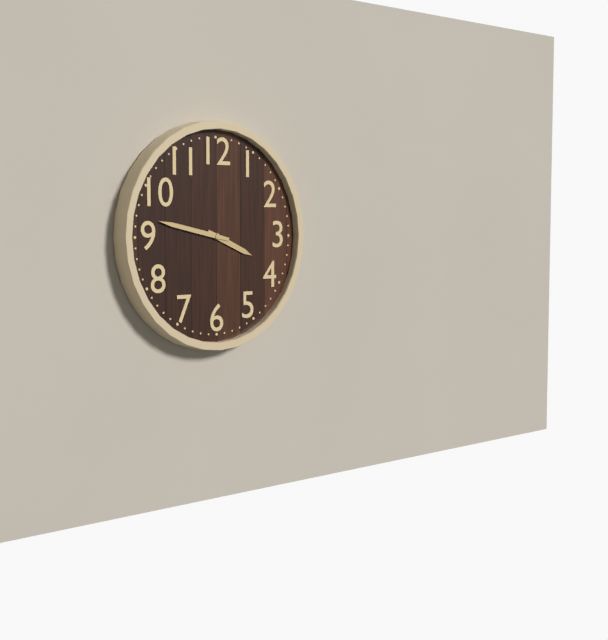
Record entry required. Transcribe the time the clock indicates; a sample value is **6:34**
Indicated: **3:47**
